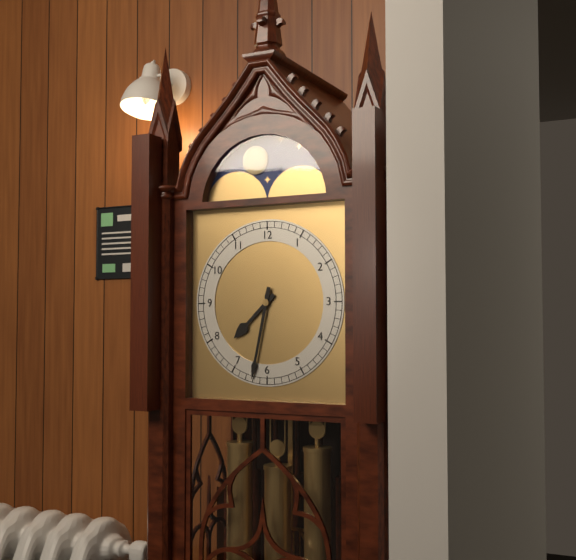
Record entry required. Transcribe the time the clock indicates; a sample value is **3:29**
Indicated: **7:32**
